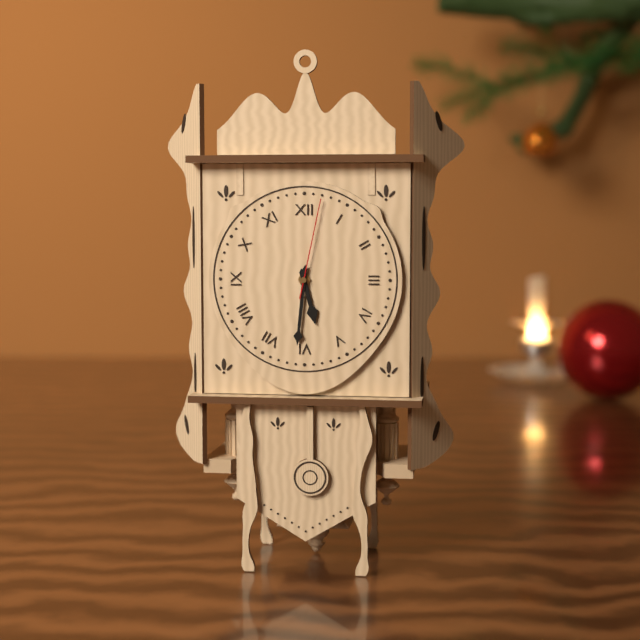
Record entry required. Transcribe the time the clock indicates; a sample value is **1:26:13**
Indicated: **5:31:02**
